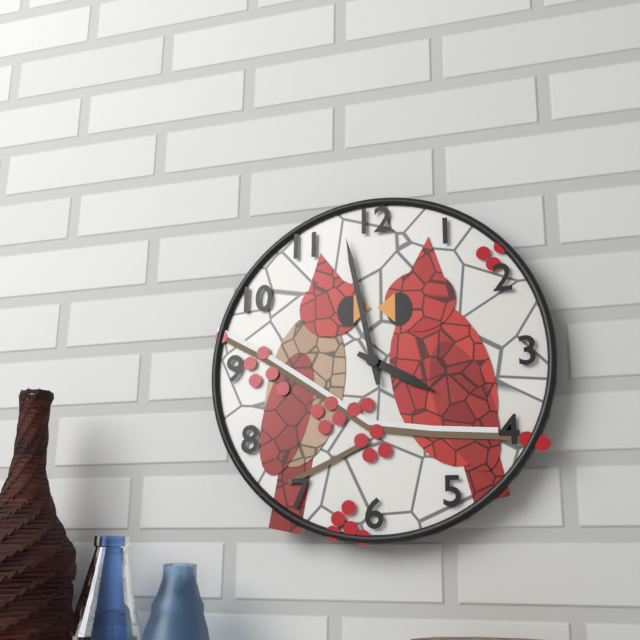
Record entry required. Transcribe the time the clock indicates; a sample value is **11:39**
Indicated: **3:58**
